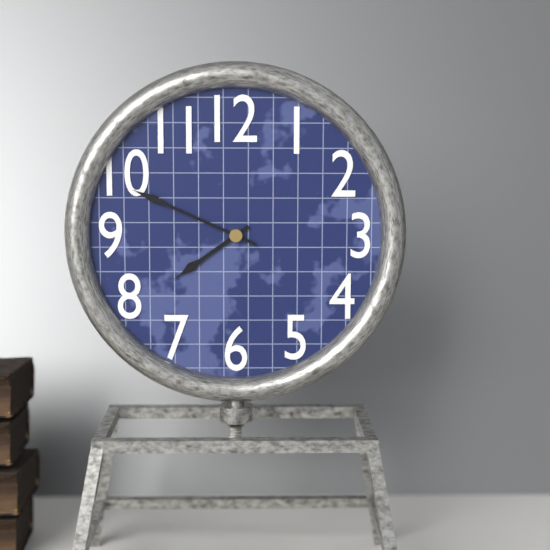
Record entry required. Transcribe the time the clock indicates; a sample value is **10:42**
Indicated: **7:49**
